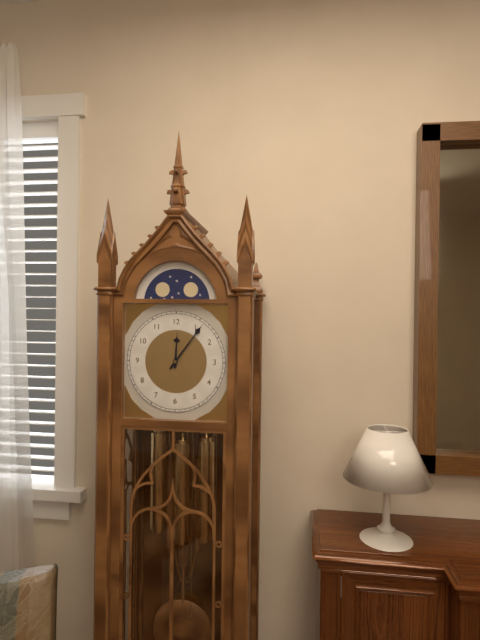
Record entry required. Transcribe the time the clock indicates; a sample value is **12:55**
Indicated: **12:06**
